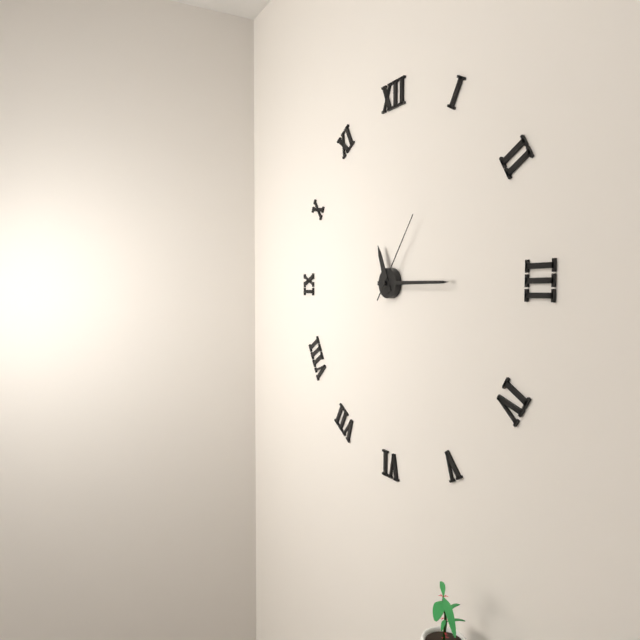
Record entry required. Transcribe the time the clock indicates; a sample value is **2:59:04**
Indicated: **11:15:06**
